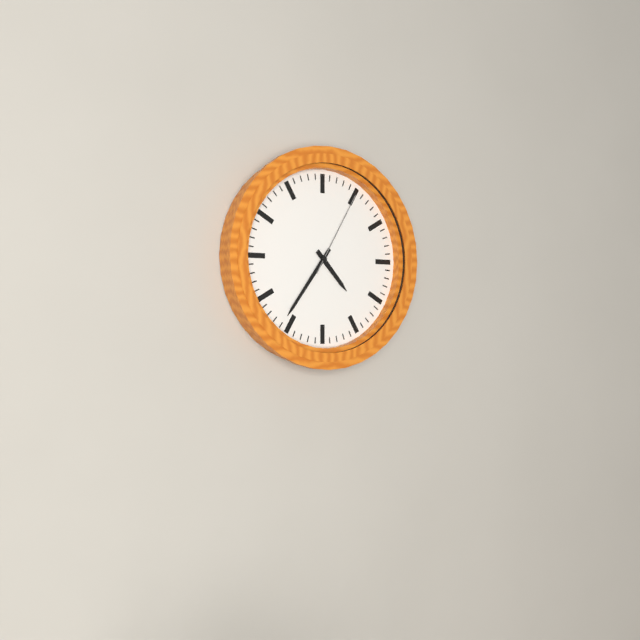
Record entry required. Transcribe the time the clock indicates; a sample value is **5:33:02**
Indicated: **4:36:05**
